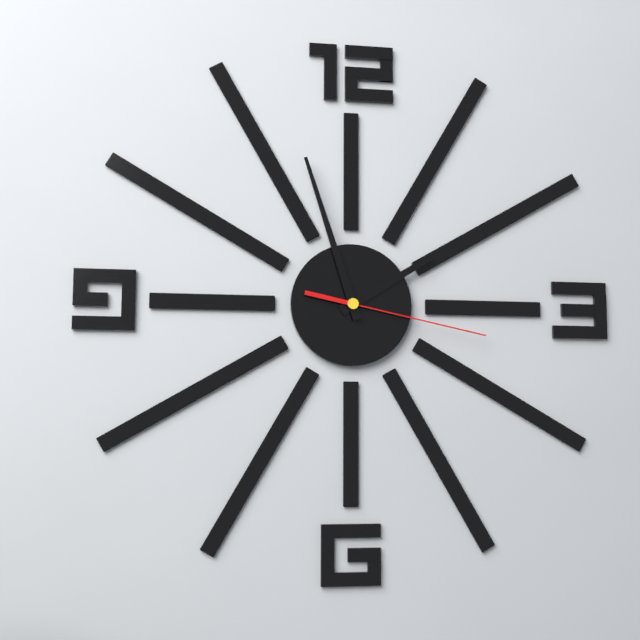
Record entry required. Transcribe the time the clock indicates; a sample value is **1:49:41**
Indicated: **1:57:17**
